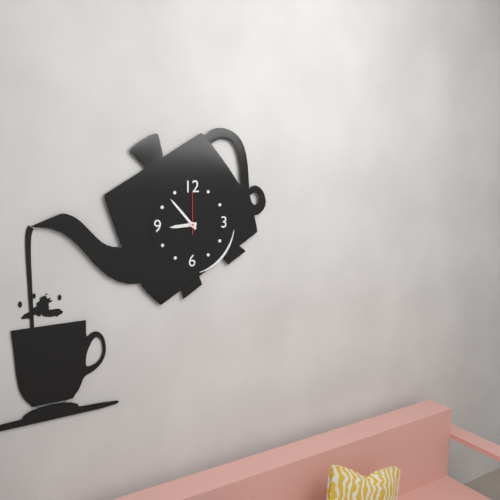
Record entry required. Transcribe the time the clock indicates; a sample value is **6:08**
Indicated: **8:53**
